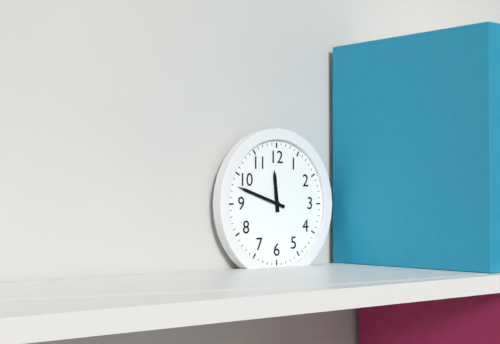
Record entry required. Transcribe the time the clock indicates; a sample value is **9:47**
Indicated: **11:48**
